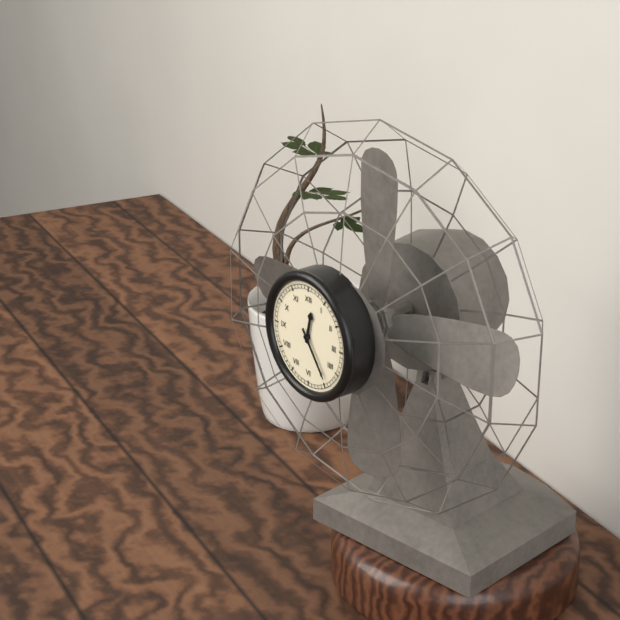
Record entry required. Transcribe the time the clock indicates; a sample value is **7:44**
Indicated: **12:24**
